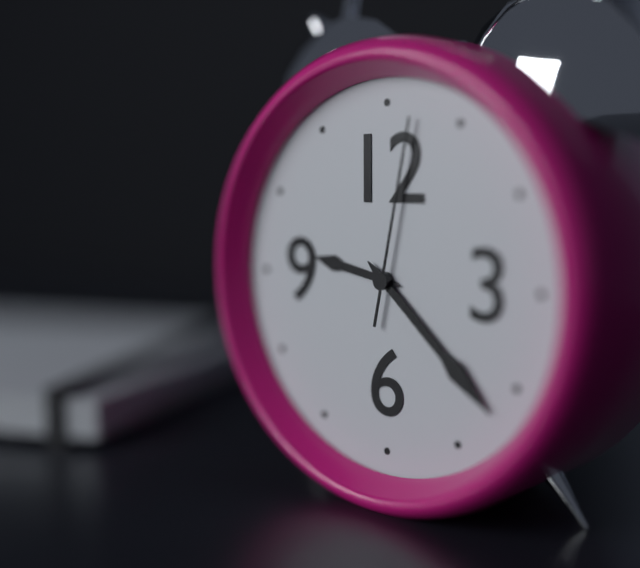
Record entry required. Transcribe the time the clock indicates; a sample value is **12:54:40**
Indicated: **9:22:02**
